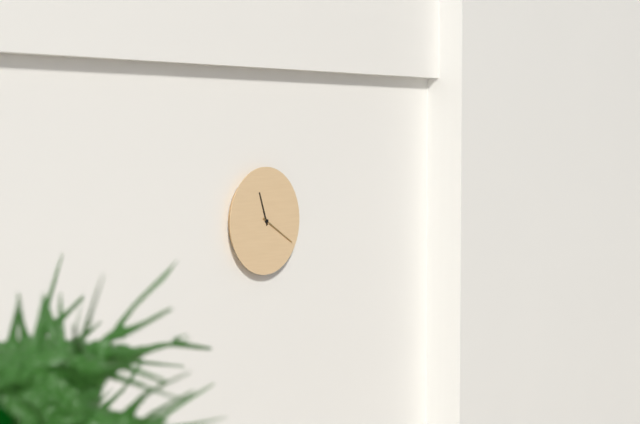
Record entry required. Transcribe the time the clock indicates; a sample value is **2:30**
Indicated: **11:20**
